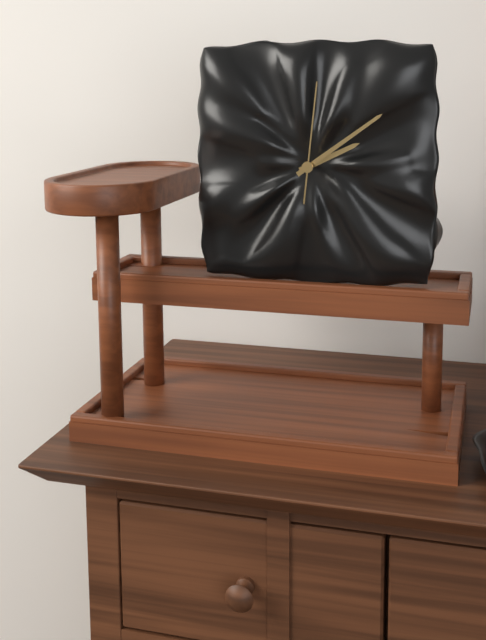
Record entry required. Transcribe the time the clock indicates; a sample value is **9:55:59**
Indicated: **2:09:01**
